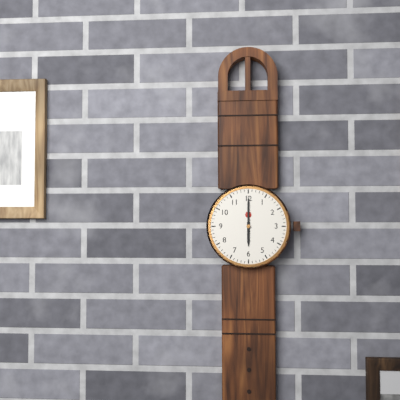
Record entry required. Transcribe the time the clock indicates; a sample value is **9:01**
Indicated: **6:00**
